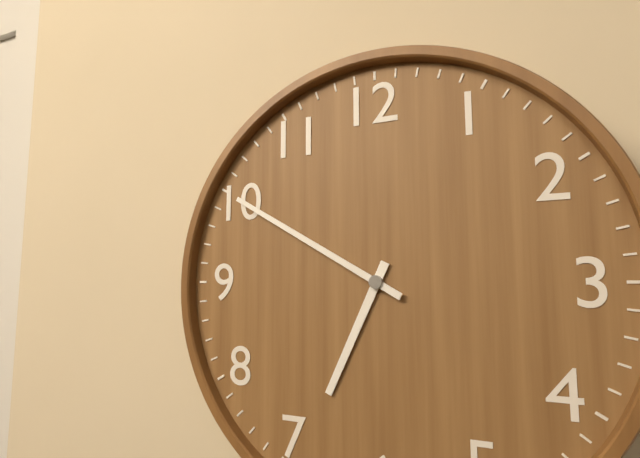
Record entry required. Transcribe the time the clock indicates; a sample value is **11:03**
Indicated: **6:50**
